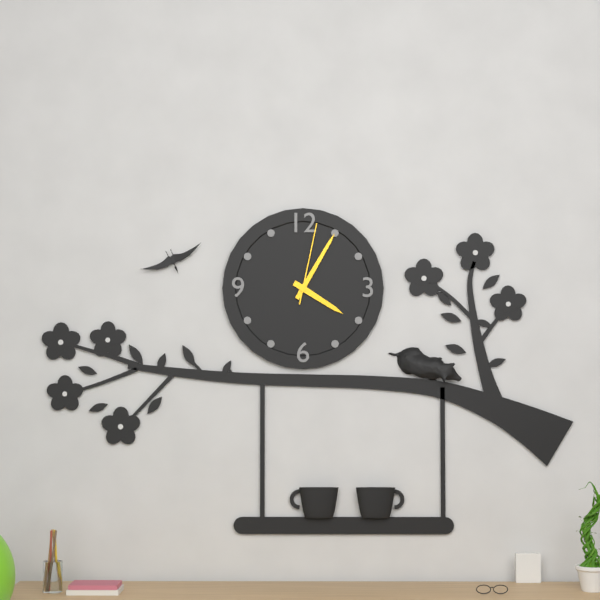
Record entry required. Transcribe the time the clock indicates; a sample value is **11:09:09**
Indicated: **4:05:02**
